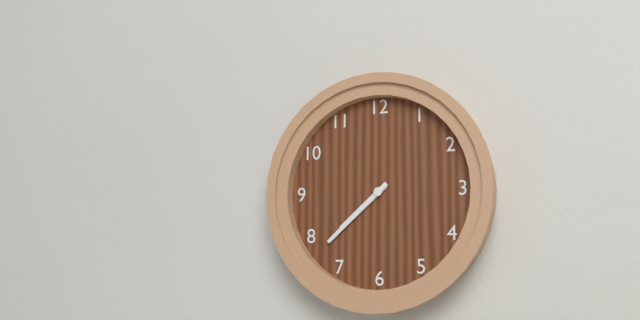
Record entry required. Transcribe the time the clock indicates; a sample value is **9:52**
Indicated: **7:38**
